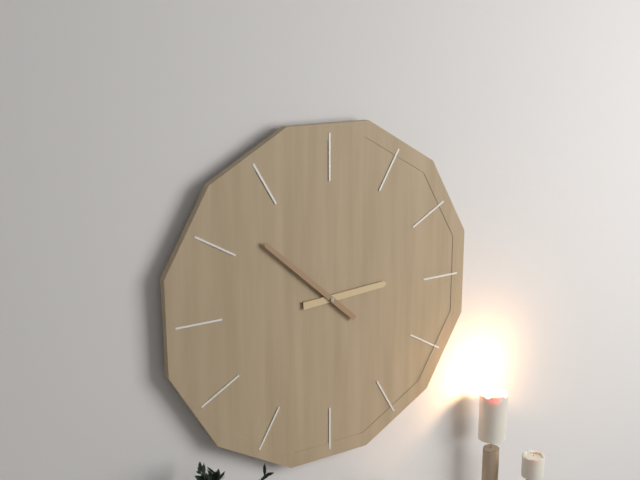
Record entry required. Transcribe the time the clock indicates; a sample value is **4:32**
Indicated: **2:52**
